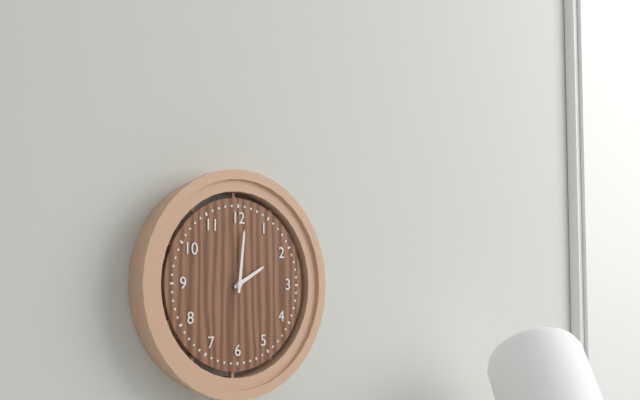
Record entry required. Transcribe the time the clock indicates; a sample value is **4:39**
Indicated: **2:01**
